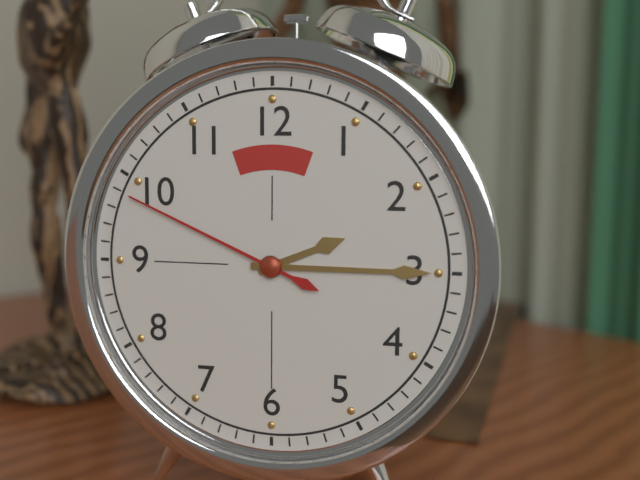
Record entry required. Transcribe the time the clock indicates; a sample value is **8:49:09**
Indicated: **2:15:49**
